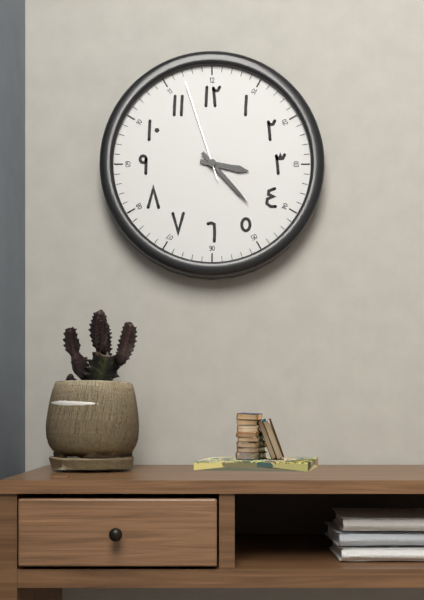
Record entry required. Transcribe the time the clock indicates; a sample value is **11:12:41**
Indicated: **3:23:57**
